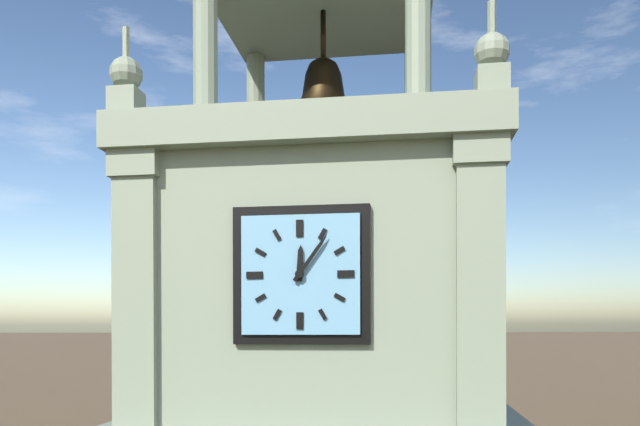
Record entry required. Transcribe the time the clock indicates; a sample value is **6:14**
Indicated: **12:06**
